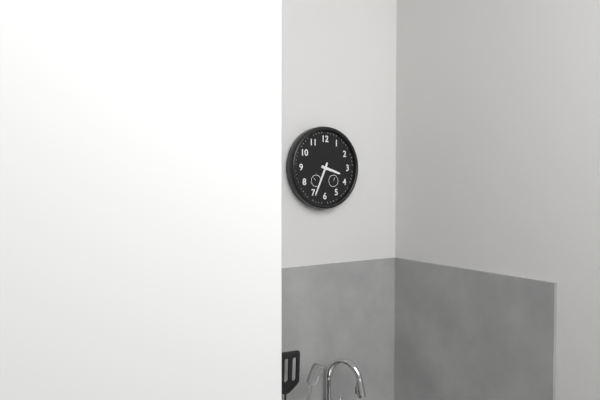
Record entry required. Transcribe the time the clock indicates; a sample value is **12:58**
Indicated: **3:34**
